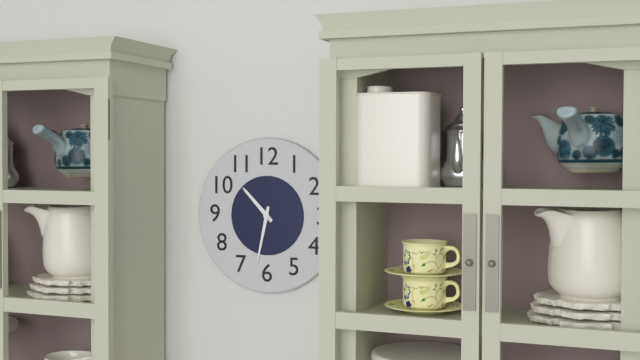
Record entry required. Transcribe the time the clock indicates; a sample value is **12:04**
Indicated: **10:32**
